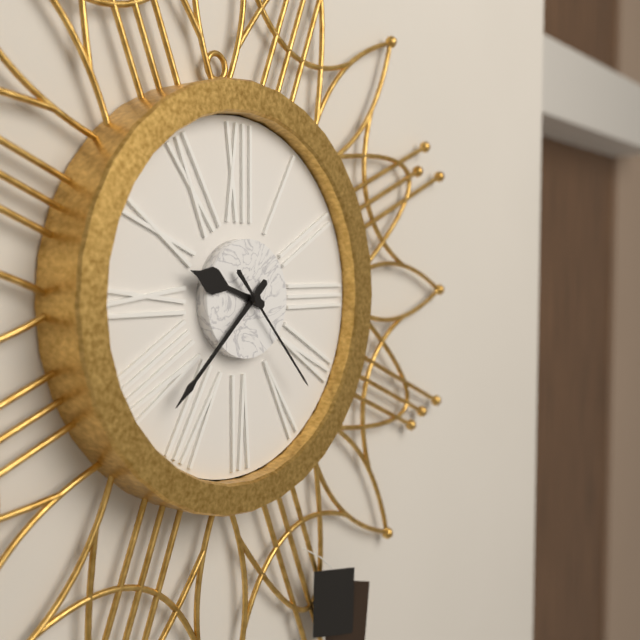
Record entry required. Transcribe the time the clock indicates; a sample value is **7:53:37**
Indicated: **9:38:23**
